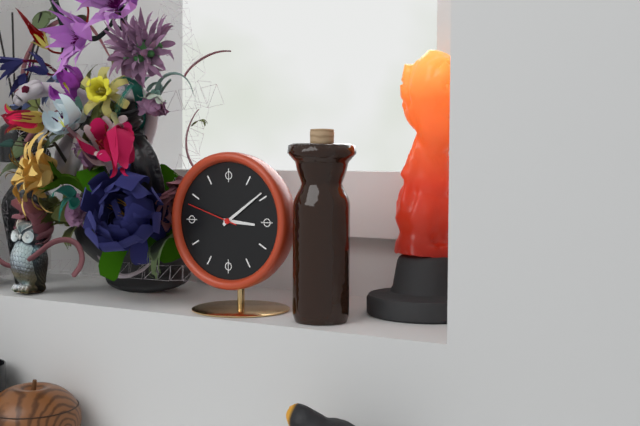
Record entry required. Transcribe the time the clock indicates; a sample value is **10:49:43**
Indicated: **3:09:48**
